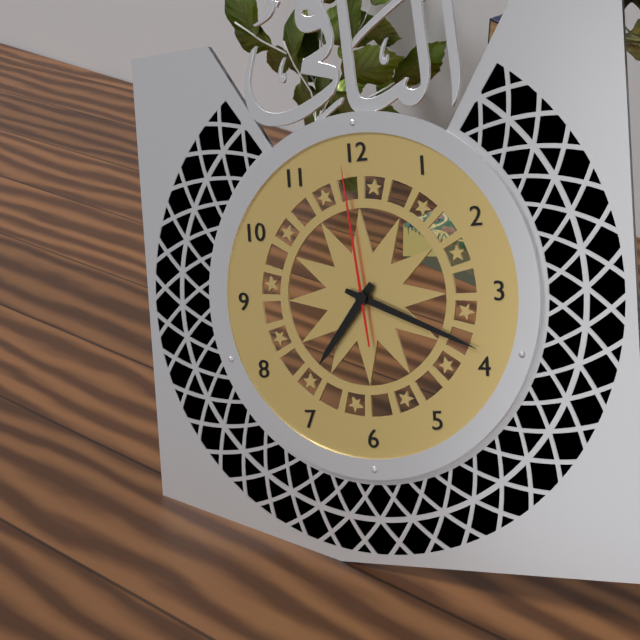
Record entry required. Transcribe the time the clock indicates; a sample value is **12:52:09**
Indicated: **7:19:59**
